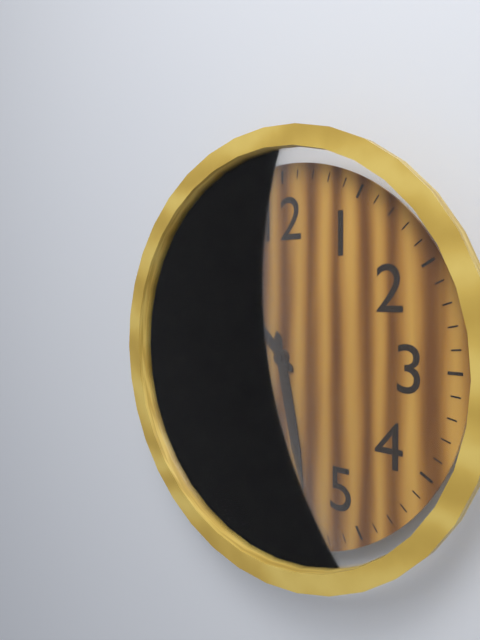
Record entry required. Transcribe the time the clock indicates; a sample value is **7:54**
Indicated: **10:28**
